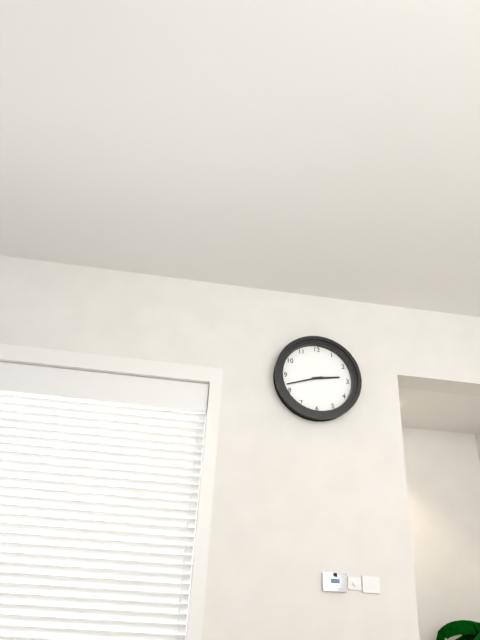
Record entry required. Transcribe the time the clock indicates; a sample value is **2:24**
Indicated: **2:42**
